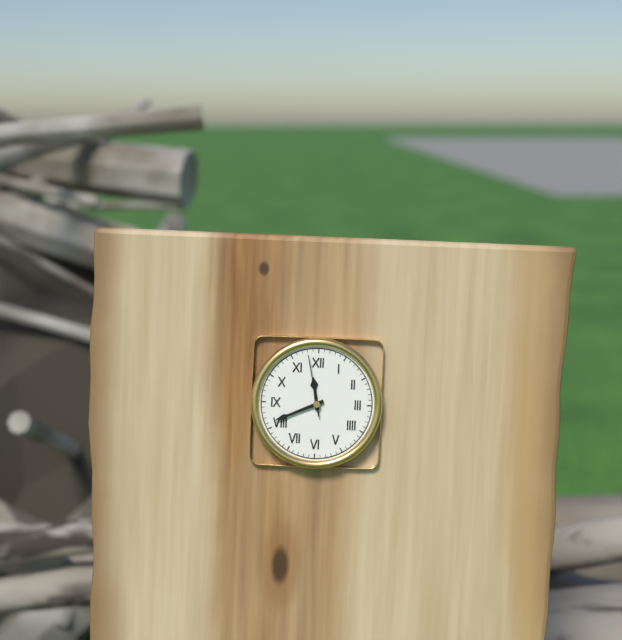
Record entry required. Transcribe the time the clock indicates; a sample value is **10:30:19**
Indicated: **11:41:58**
